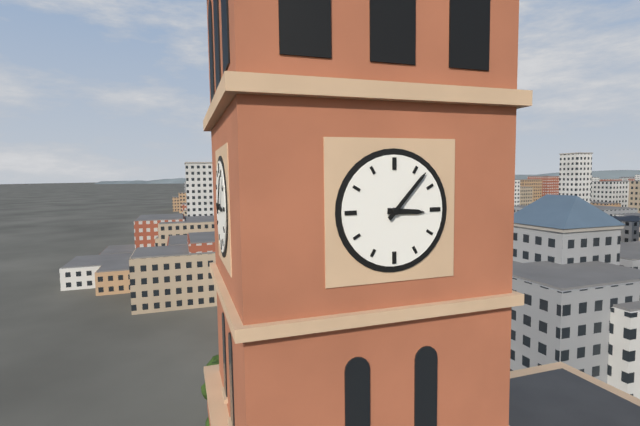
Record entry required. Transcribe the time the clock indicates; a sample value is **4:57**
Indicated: **3:07**
